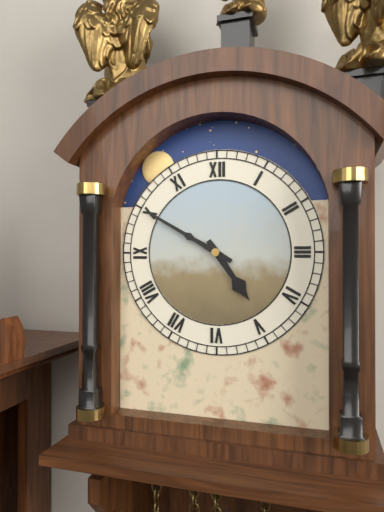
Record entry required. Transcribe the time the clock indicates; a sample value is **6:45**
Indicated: **4:50**
